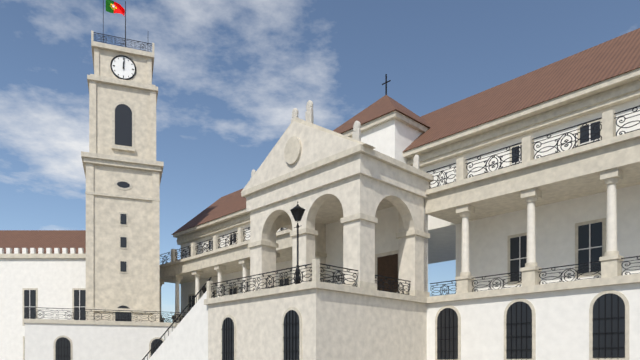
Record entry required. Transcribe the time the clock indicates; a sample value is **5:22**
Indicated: **12:01**
